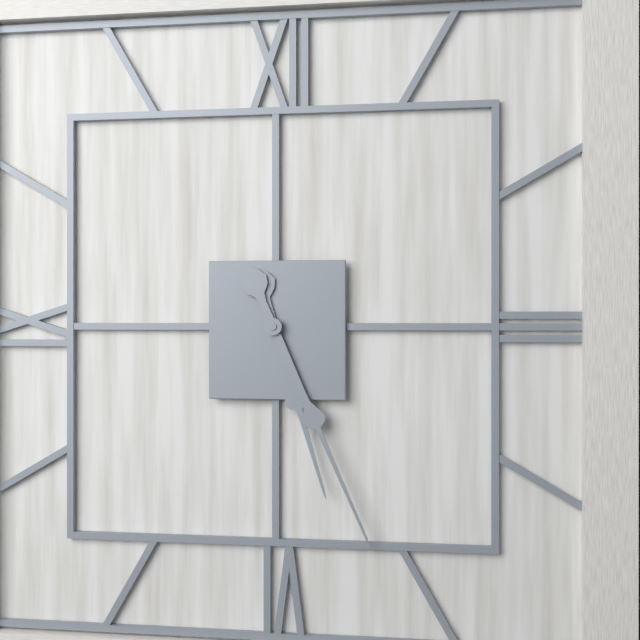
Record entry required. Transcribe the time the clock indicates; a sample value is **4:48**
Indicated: **5:26**
